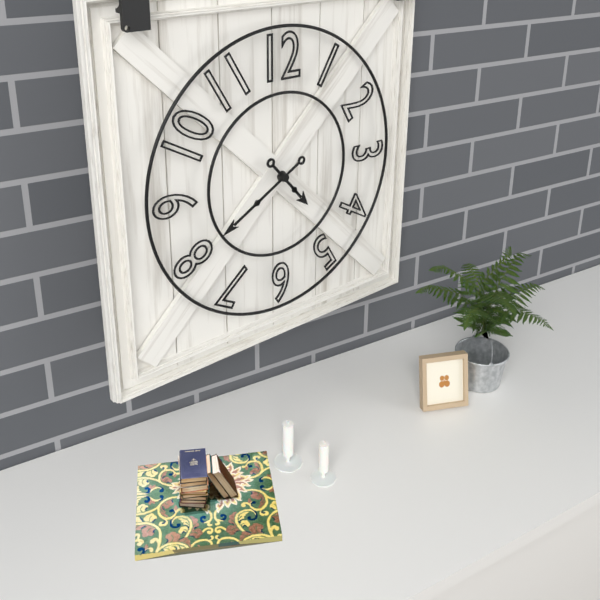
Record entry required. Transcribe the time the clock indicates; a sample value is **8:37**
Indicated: **4:40**
